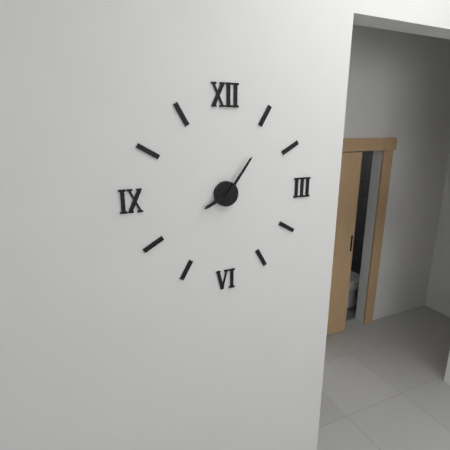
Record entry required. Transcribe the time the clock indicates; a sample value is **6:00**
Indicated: **8:06**
